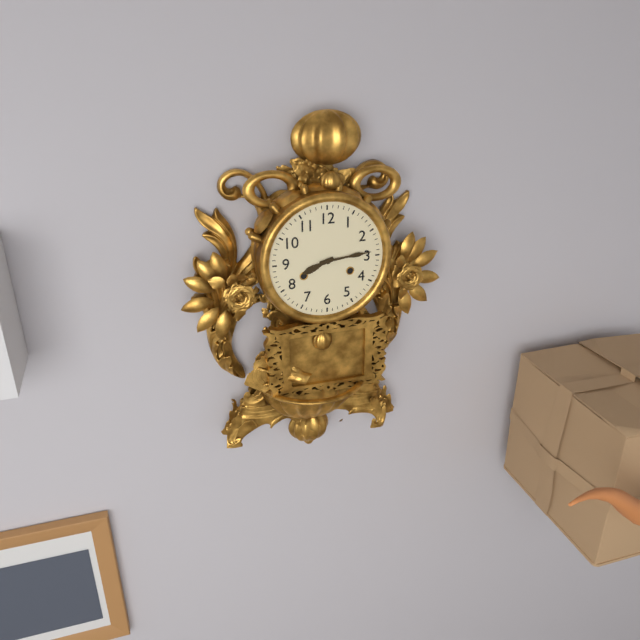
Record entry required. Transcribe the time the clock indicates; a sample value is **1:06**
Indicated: **8:14**
